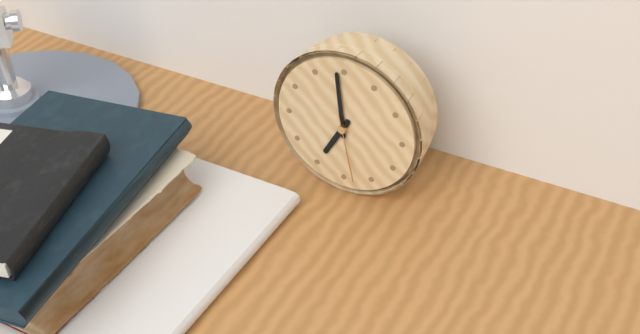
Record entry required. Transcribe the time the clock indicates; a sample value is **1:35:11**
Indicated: **6:59:28**
